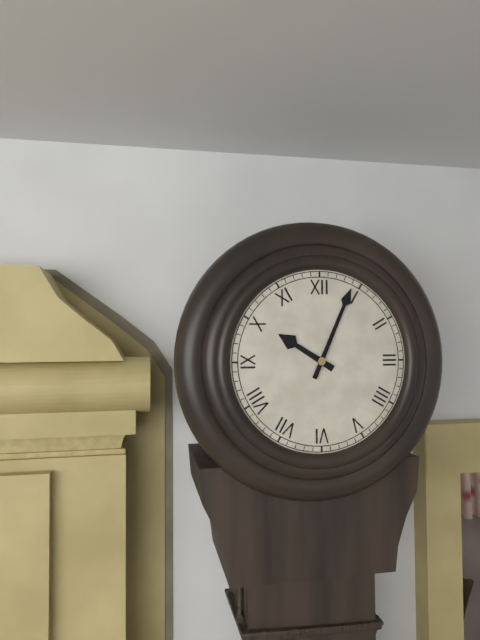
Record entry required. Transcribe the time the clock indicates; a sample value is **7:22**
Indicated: **10:04**
